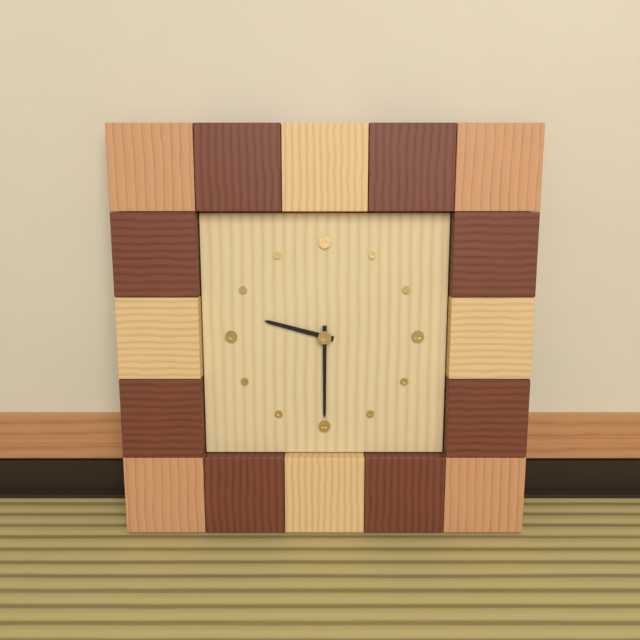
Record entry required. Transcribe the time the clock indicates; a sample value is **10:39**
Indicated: **9:30**
